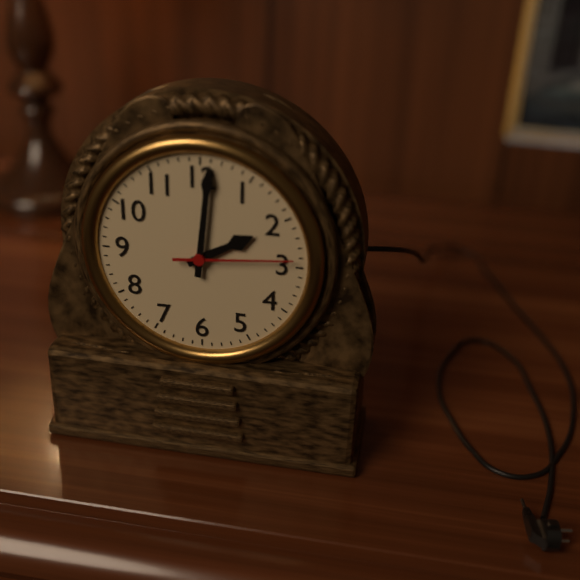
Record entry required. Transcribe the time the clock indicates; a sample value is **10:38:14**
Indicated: **2:01:14**
